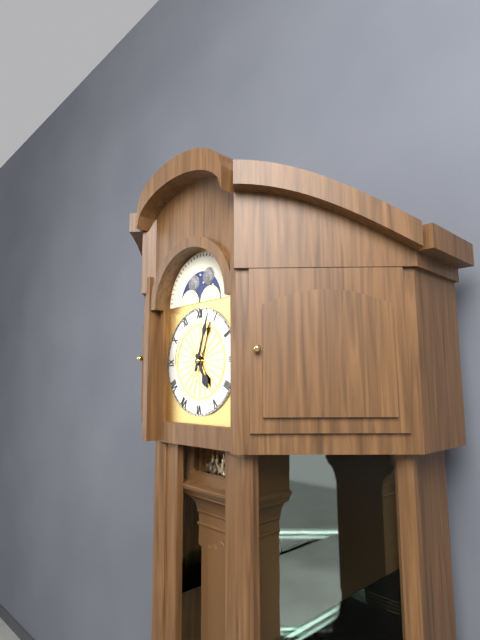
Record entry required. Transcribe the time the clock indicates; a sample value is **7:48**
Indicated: **5:03**
